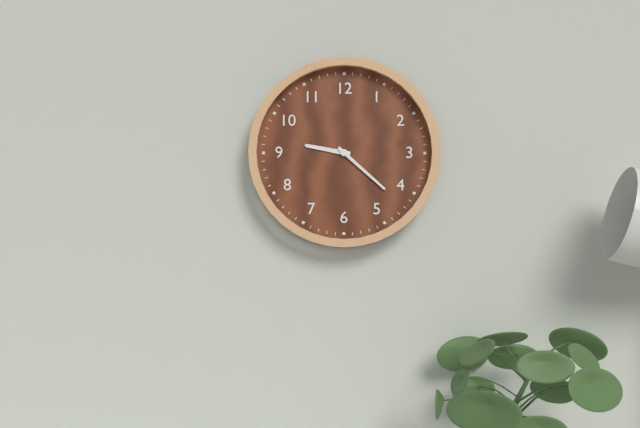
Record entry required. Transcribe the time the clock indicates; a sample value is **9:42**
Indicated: **9:22**
